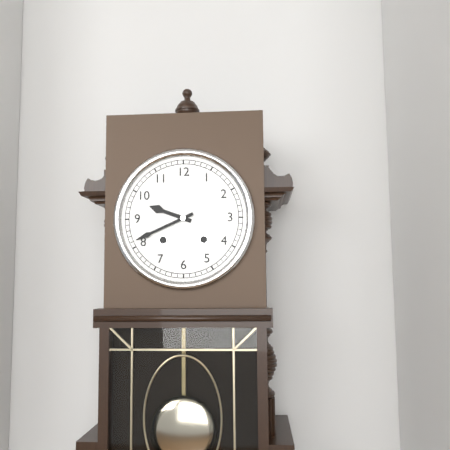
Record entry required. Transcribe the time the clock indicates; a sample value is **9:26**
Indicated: **9:41**
